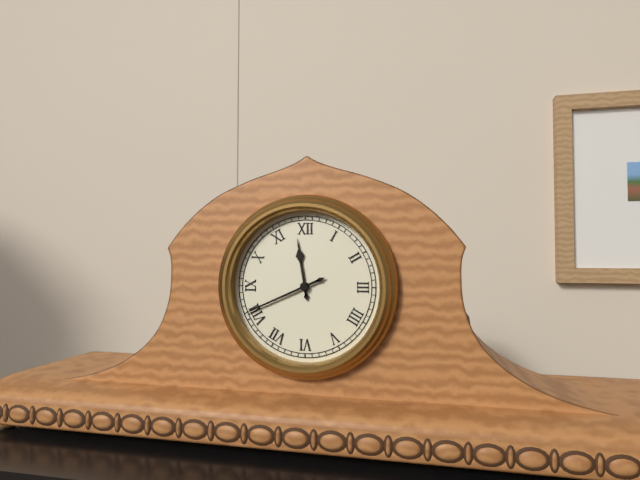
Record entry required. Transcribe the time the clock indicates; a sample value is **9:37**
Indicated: **11:41**
